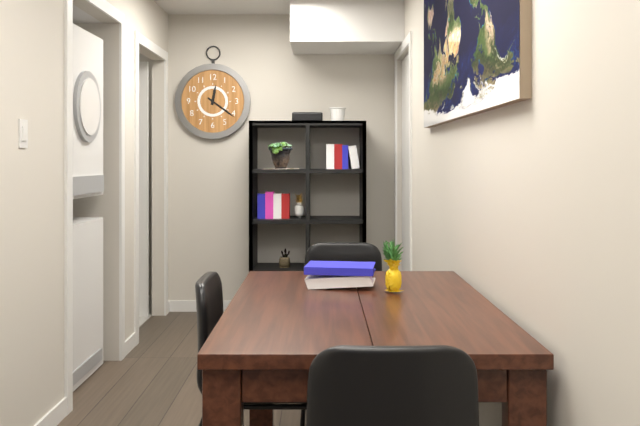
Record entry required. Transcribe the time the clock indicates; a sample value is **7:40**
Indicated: **12:21**
